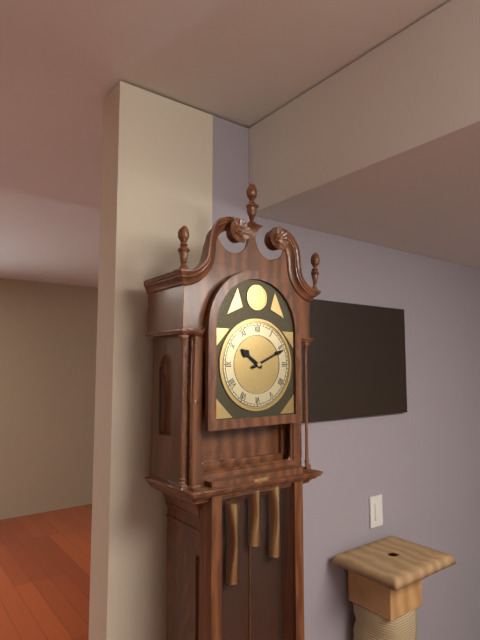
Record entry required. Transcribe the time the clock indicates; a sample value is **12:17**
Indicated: **10:11**
